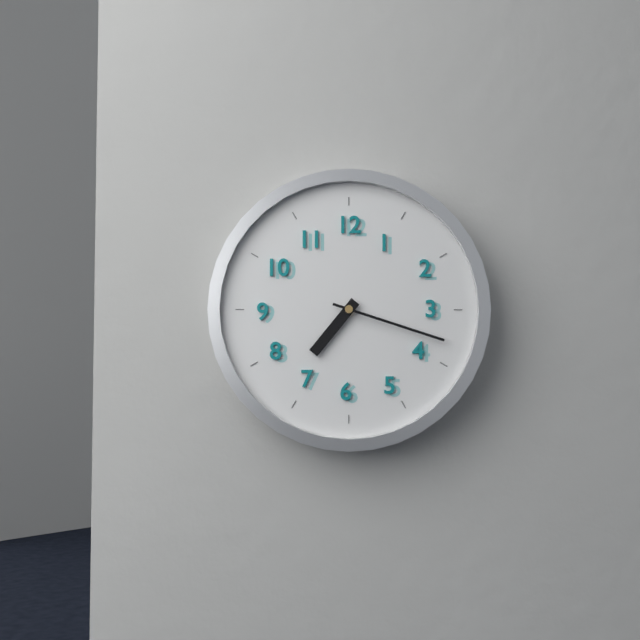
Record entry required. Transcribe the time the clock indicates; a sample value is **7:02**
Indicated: **7:18**
